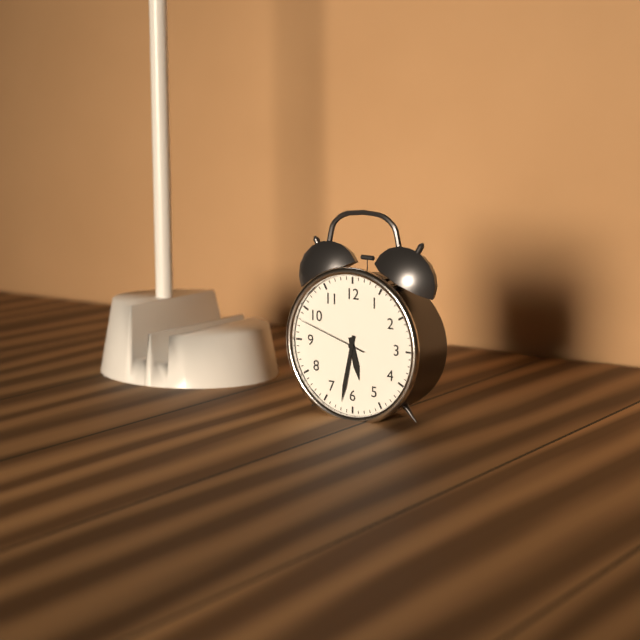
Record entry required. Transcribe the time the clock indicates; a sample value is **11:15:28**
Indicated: **5:32:48**
